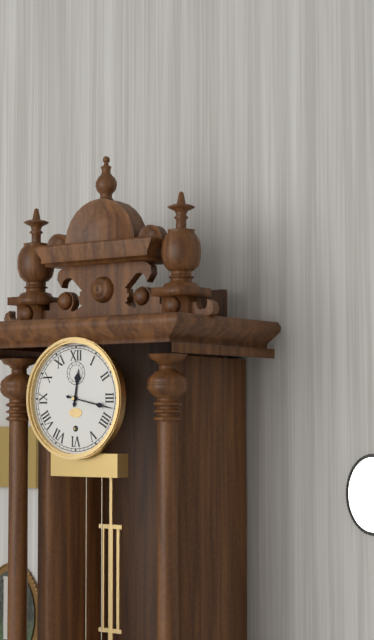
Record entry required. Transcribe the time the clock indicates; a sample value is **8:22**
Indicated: **12:17**
